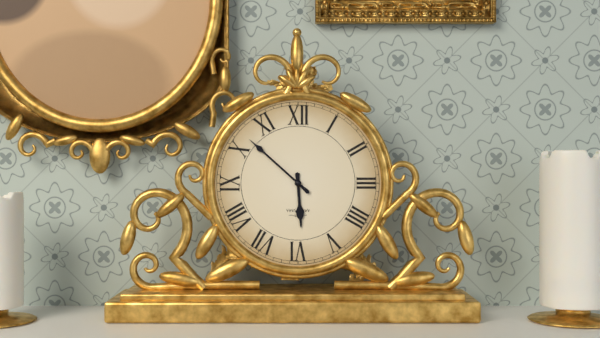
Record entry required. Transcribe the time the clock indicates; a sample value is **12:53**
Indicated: **5:52**
